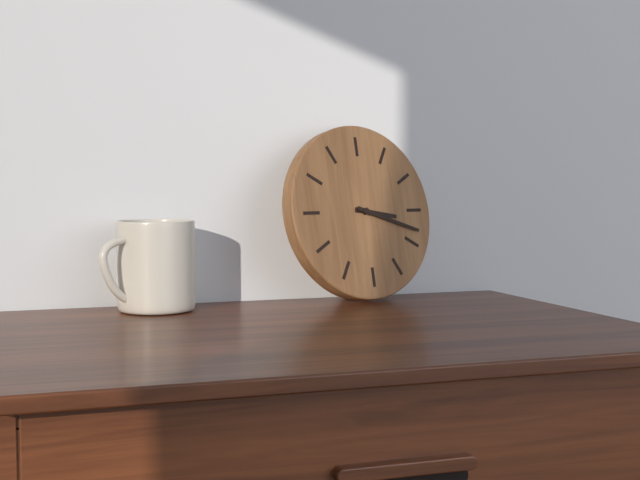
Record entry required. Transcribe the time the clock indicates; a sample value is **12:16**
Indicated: **3:18**
